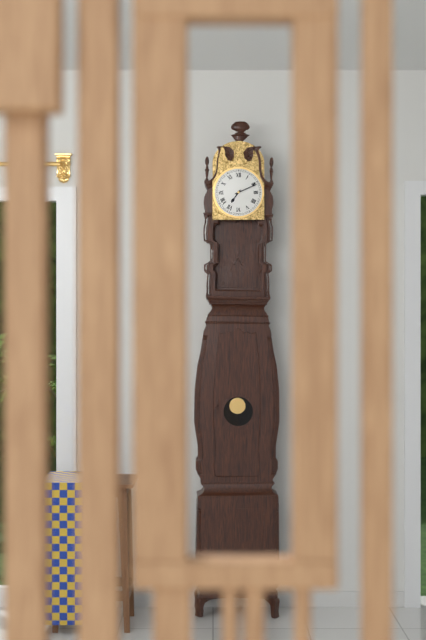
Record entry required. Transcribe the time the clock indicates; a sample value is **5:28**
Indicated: **7:11**
